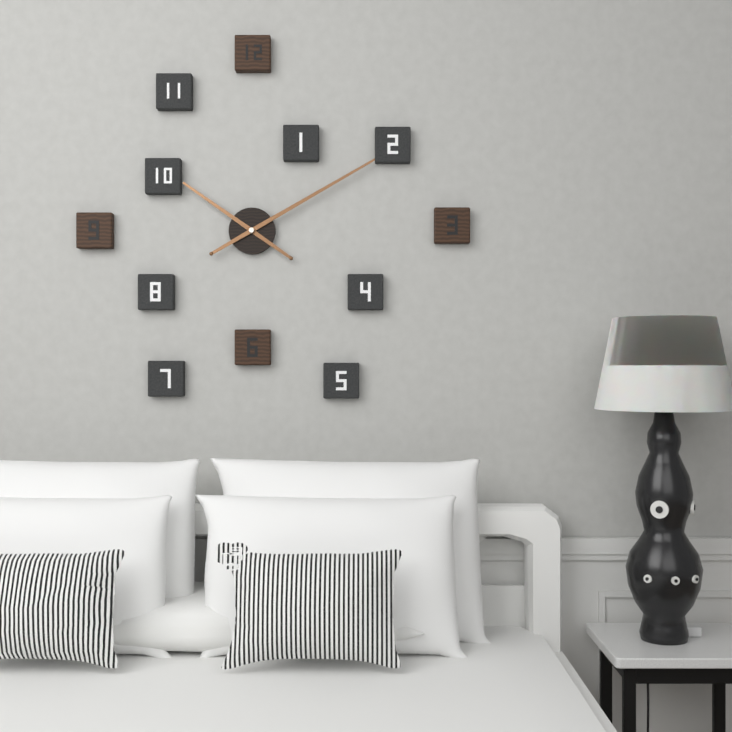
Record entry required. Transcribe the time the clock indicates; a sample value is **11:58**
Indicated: **10:10**
